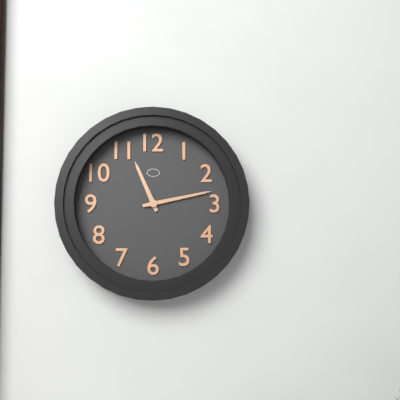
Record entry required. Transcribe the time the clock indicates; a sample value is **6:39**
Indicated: **11:13**
